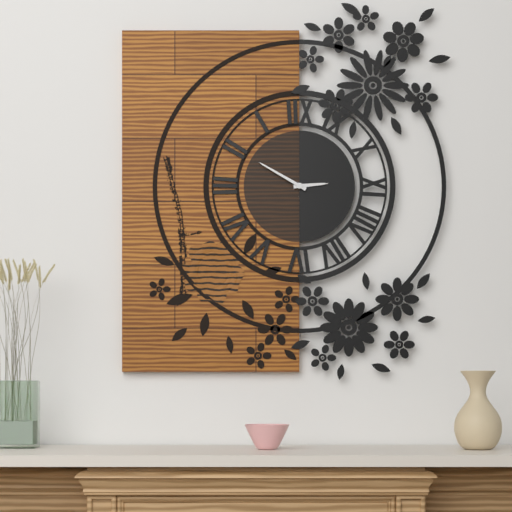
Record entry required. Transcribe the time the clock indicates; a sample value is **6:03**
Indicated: **2:50**
